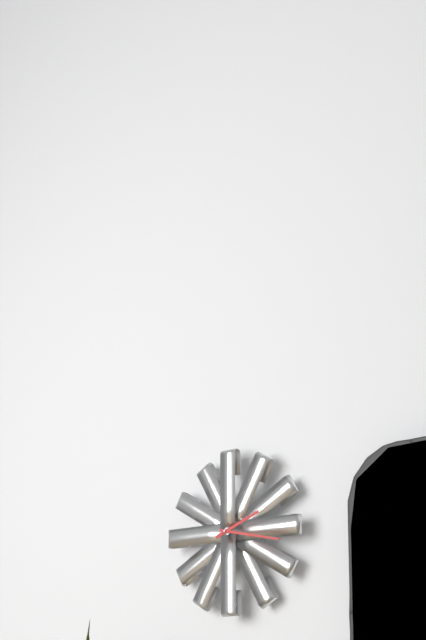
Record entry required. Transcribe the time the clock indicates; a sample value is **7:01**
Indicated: **2:17**
